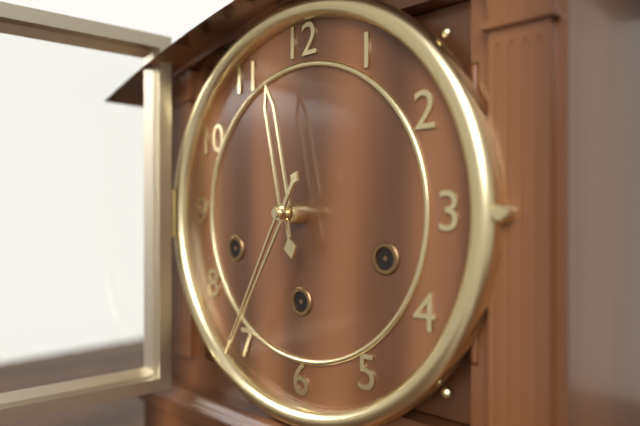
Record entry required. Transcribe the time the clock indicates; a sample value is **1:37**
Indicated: **11:35**
